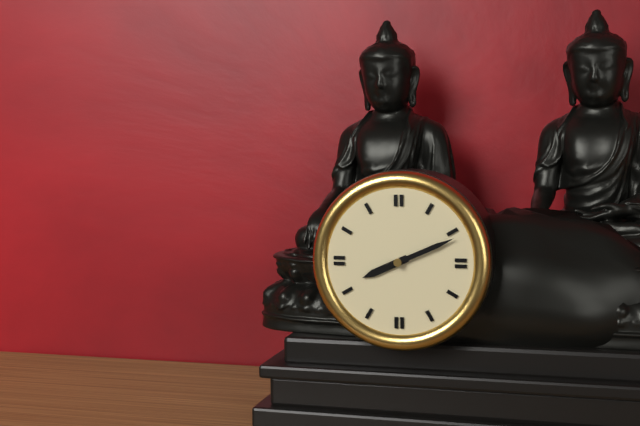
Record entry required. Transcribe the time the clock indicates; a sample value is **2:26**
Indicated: **8:11**
